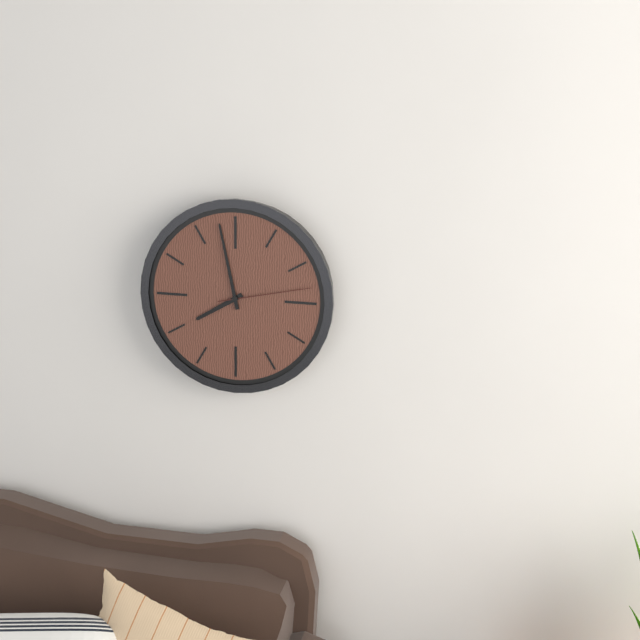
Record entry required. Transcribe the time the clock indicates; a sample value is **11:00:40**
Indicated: **7:58:13**
